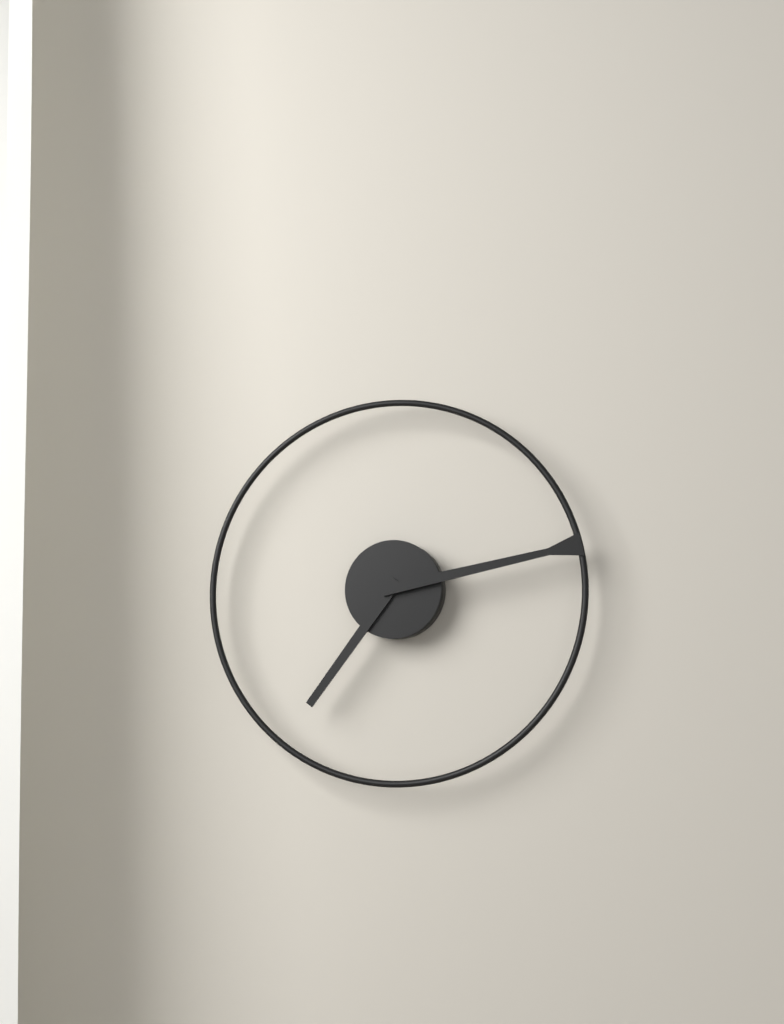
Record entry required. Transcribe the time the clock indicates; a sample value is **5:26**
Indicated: **7:13**
